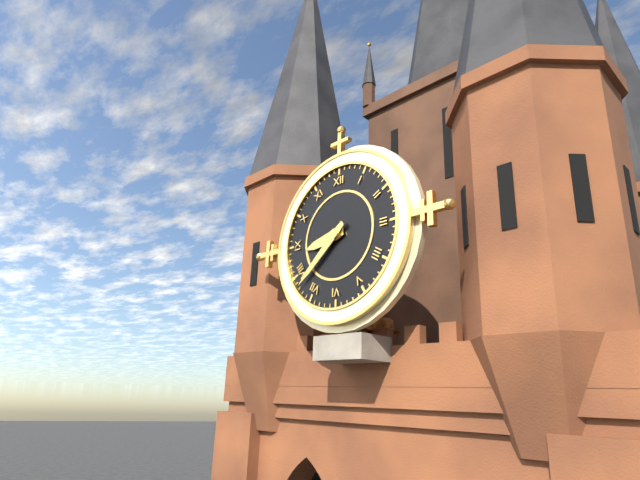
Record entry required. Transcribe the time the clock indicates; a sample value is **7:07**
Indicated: **8:38**
